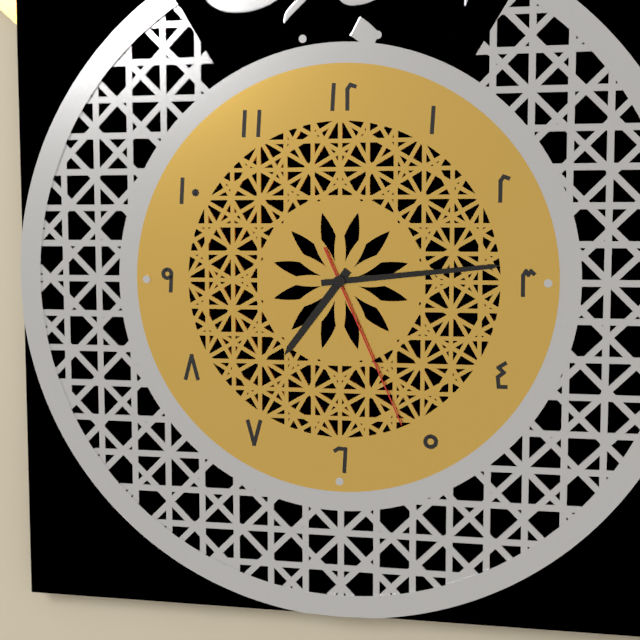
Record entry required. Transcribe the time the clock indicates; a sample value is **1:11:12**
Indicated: **7:14:26**
